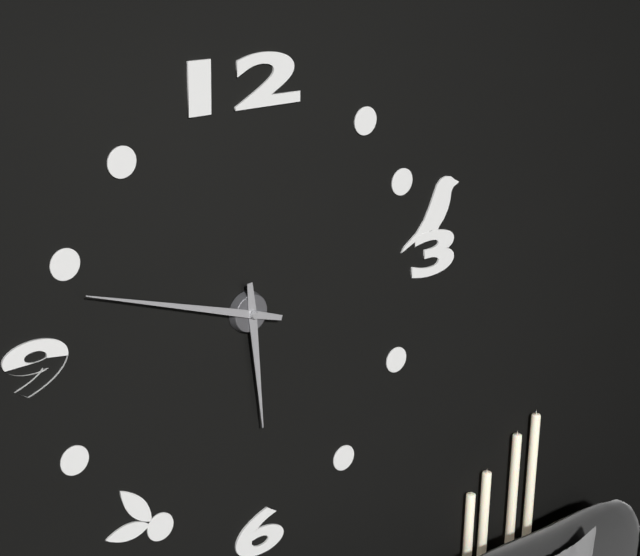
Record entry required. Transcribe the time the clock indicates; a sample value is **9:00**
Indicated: **5:48**
